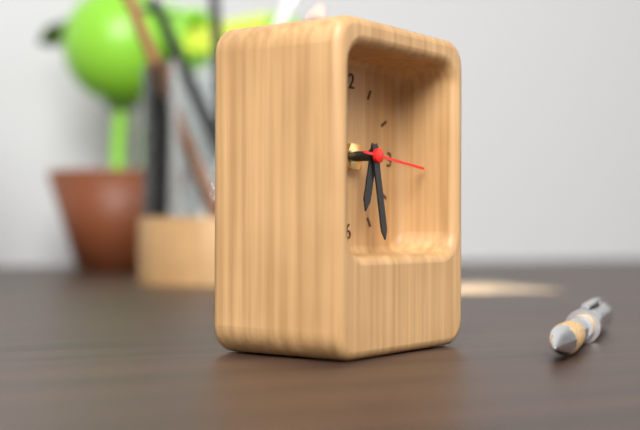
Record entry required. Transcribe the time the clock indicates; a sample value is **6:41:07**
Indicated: **6:28:16**
